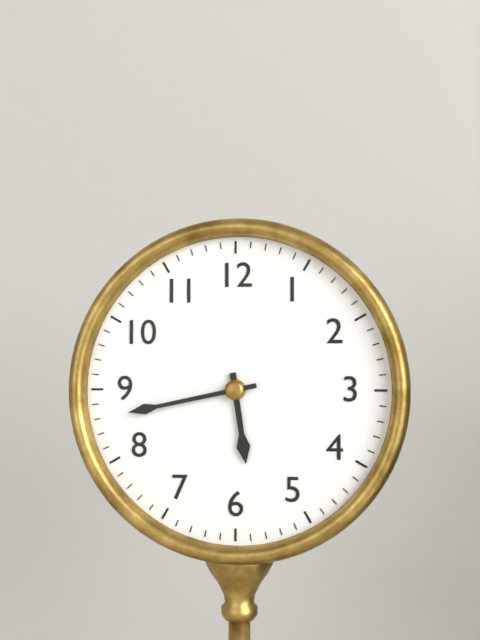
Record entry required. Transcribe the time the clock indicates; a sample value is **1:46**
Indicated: **5:43**
